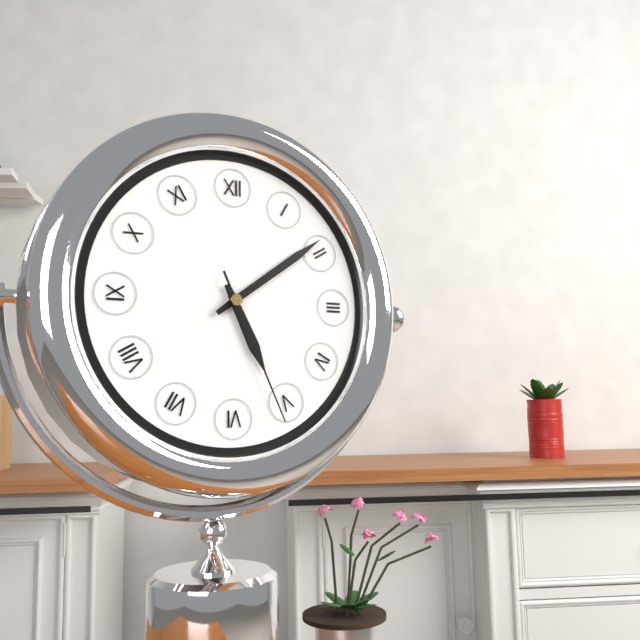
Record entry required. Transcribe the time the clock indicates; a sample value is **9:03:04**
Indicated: **5:09:26**
